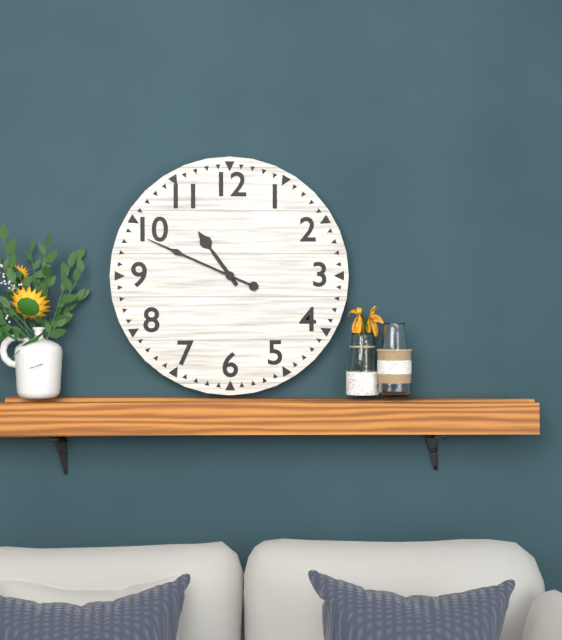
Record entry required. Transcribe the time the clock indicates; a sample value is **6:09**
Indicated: **10:49**
